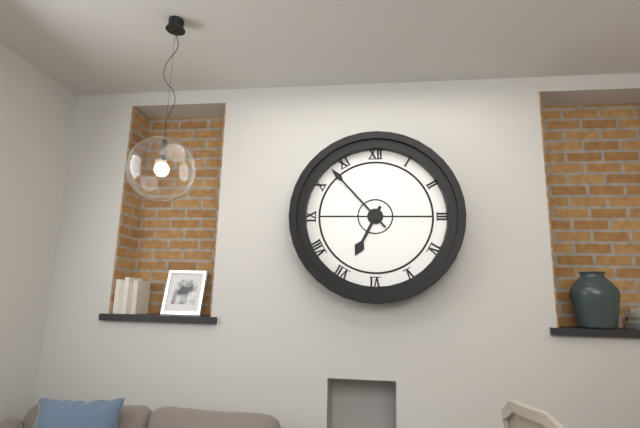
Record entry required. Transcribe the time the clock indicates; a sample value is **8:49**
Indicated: **6:53**
